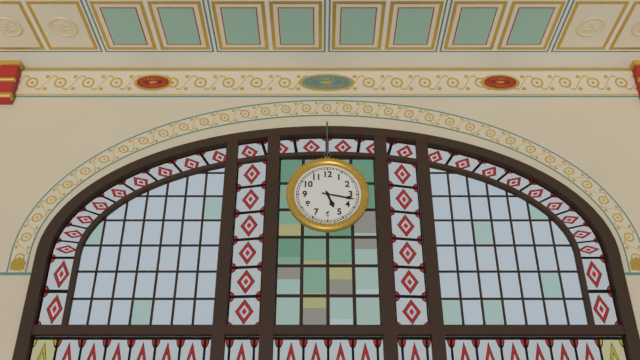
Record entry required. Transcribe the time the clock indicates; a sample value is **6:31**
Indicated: **5:17**
